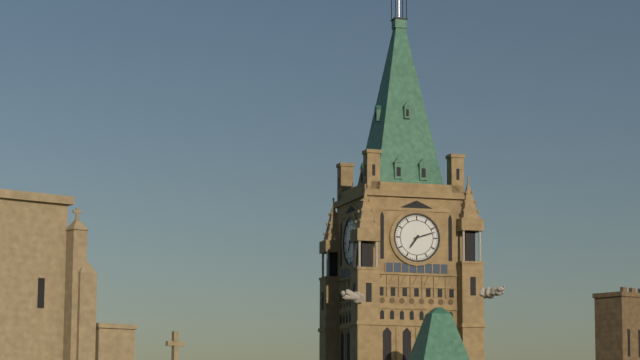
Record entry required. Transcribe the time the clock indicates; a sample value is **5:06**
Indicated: **7:12**
